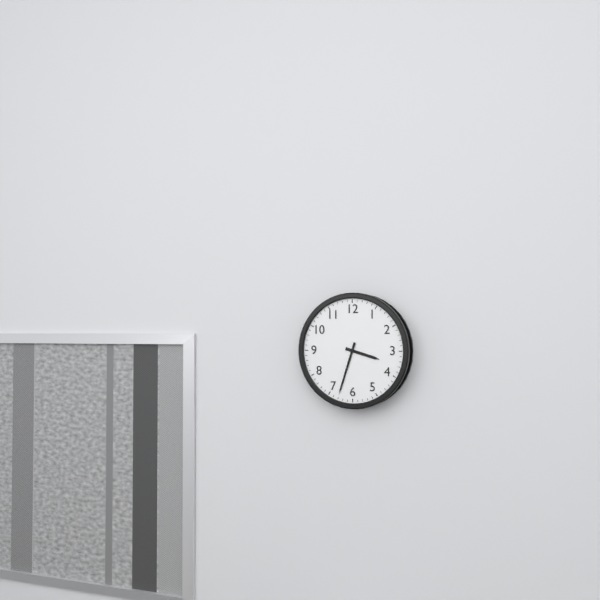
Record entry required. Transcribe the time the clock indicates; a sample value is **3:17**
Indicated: **3:33**
